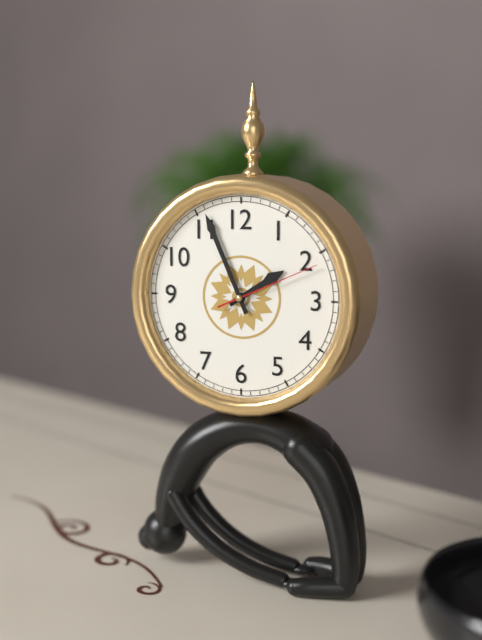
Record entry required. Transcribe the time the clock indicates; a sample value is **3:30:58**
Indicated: **1:56:11**
